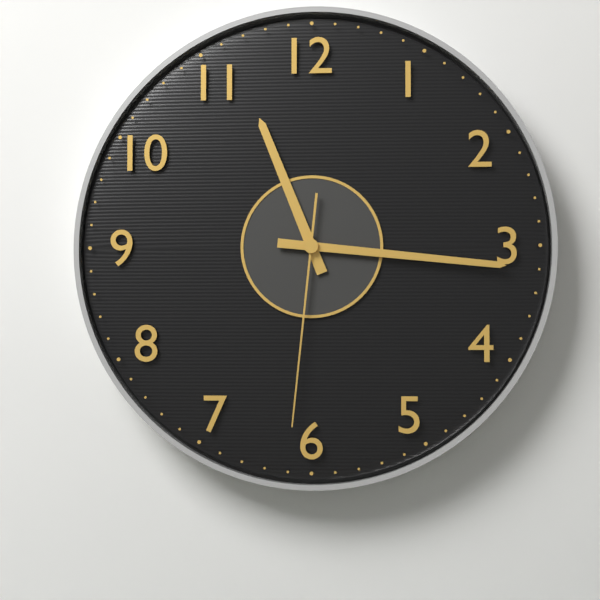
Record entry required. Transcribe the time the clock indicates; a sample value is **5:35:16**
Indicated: **11:16:31**
